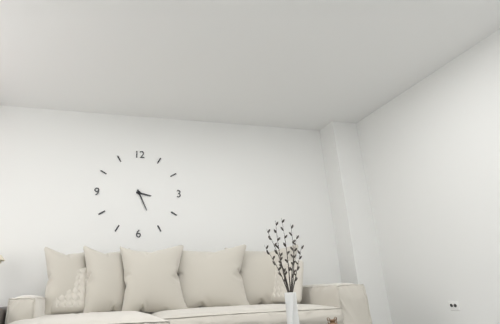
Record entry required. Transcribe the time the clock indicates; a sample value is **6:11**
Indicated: **3:26**
